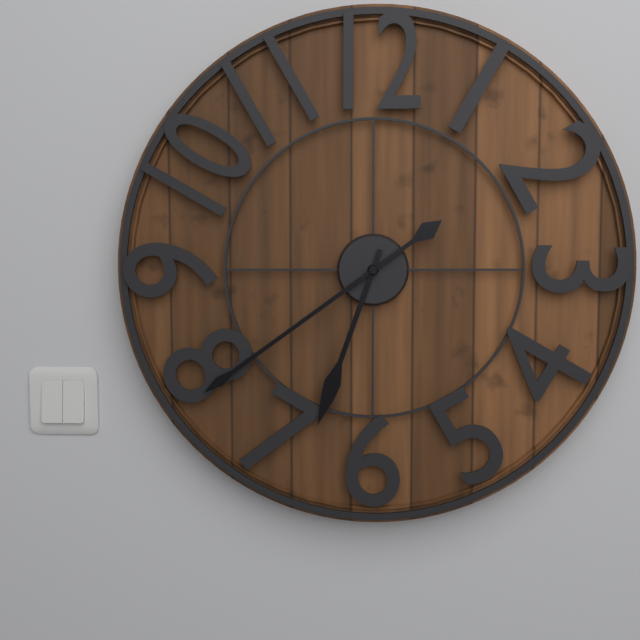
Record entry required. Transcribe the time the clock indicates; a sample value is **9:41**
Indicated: **6:39**
